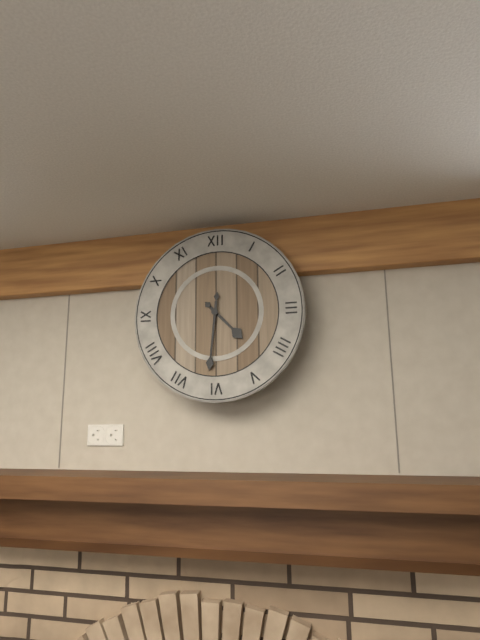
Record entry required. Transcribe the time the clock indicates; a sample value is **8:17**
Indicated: **4:31**
